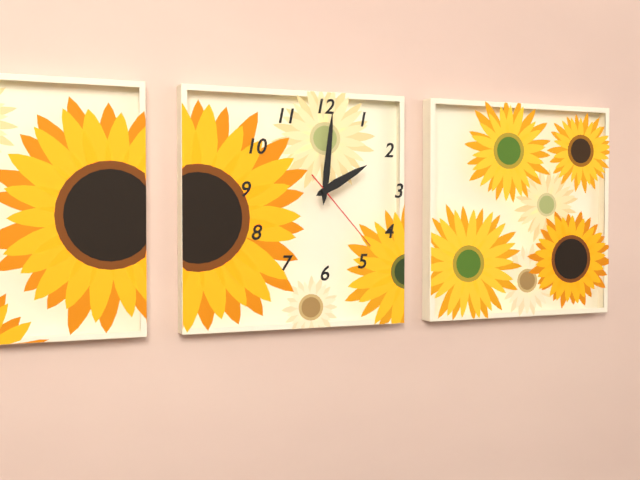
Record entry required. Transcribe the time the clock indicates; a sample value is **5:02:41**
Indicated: **2:01:23**
